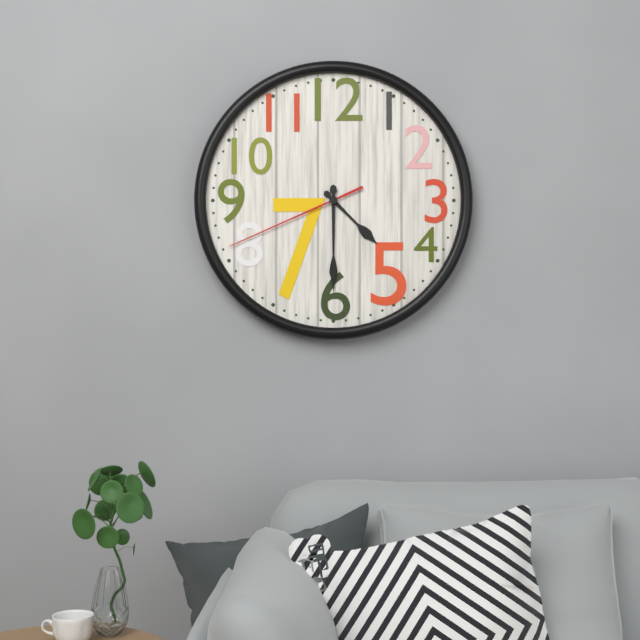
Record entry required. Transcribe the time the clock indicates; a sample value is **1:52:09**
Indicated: **4:30:41**
